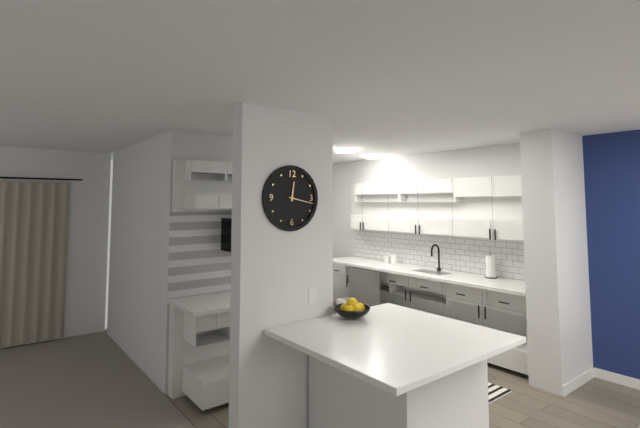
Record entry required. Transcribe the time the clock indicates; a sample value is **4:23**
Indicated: **12:17**
